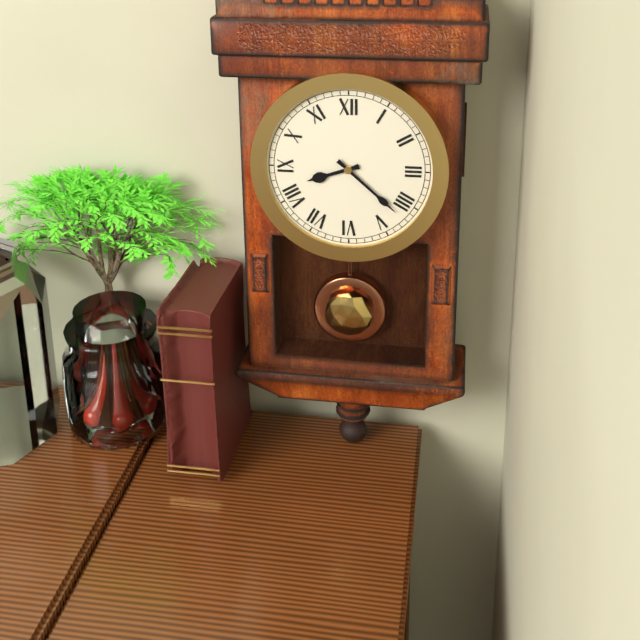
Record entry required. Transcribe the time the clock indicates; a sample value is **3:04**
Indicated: **8:22**
